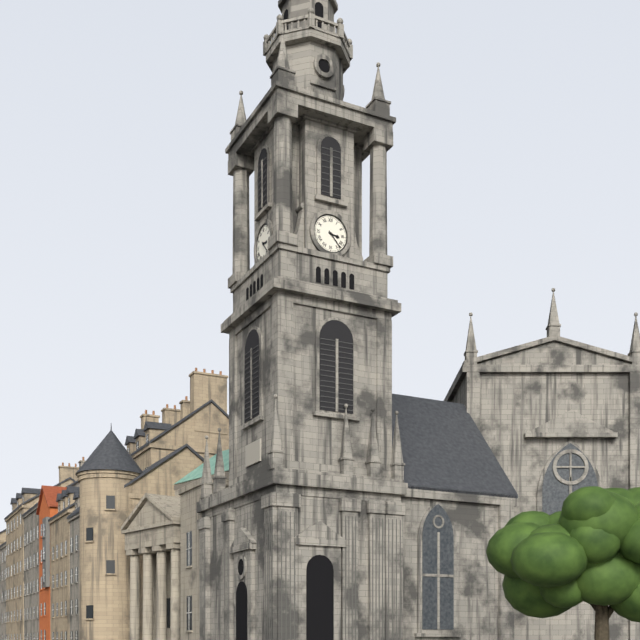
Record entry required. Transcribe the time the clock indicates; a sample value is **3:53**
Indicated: **3:23**
